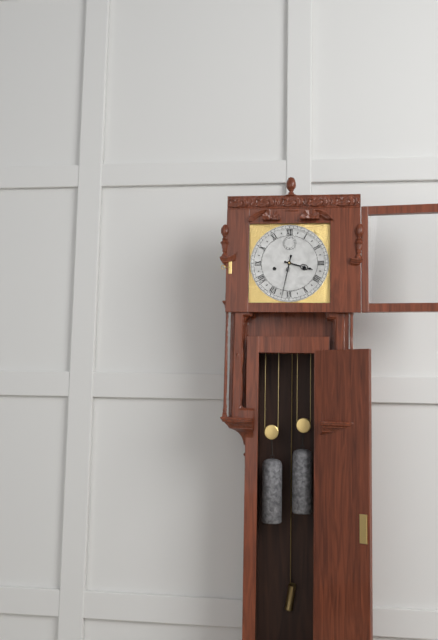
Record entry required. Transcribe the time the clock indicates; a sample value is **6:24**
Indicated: **3:32**
